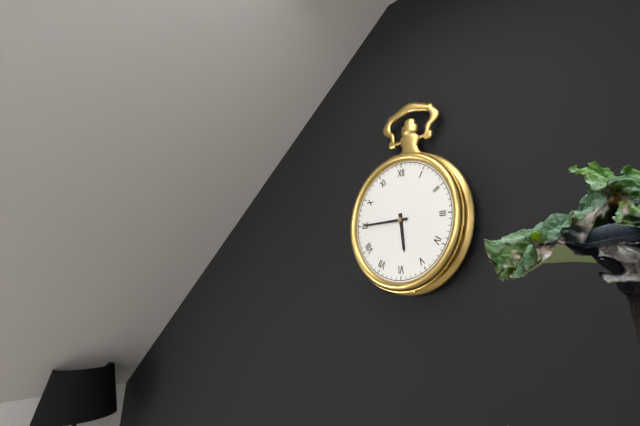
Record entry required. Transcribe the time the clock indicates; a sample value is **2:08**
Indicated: **5:45**
